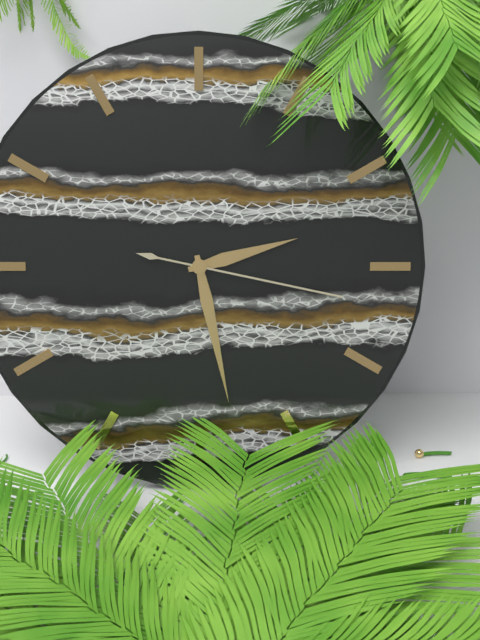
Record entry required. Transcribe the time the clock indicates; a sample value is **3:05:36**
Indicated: **2:28:17**
